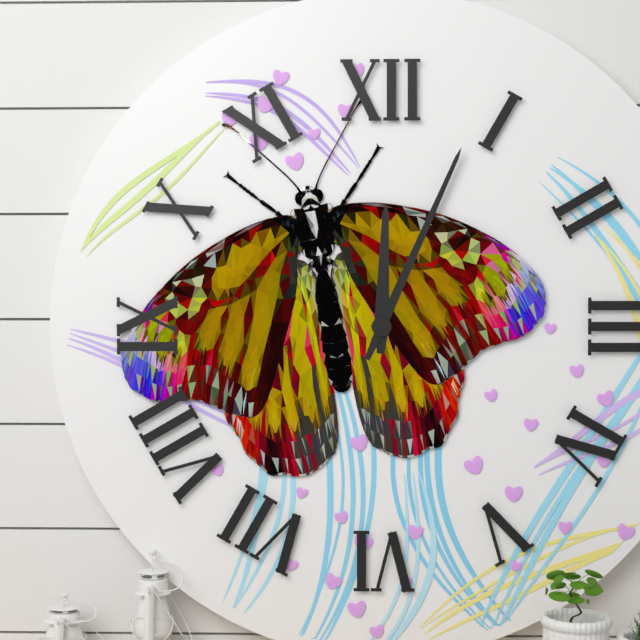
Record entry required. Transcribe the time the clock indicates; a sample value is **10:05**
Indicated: **12:04**
